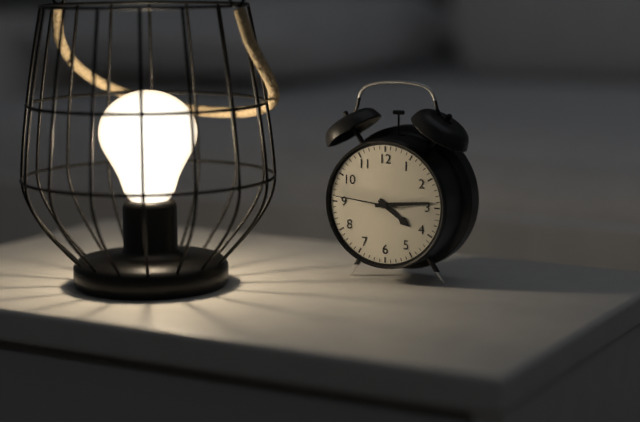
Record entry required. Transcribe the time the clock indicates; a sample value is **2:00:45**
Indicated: **4:14:46**
